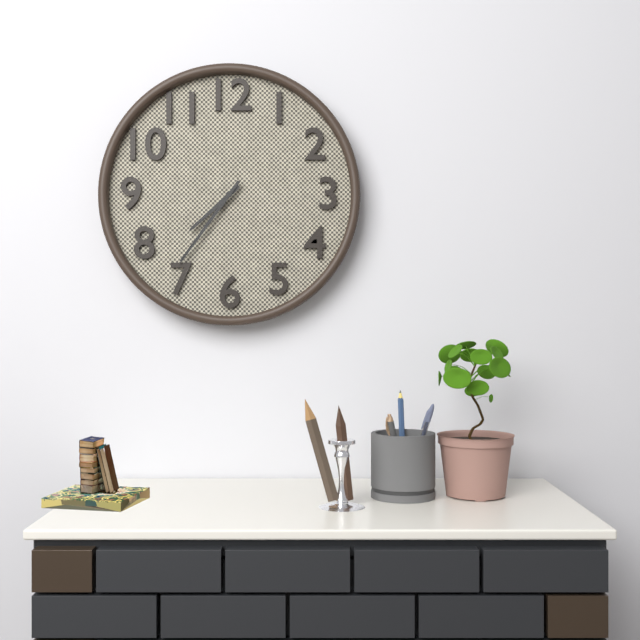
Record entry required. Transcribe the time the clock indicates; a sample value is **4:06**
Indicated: **7:36**
